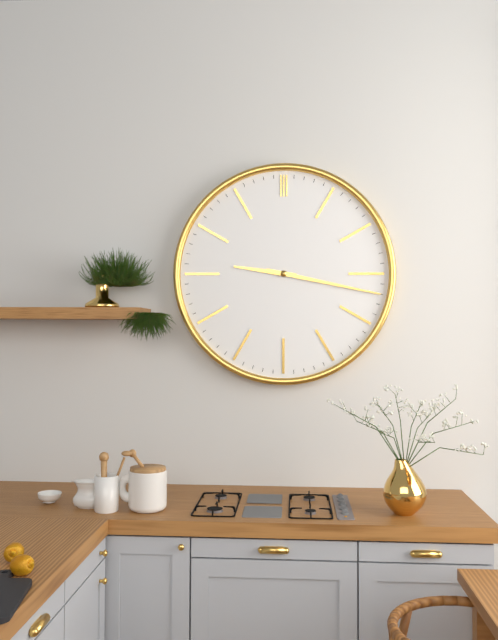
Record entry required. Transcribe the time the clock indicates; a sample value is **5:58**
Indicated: **9:17**
